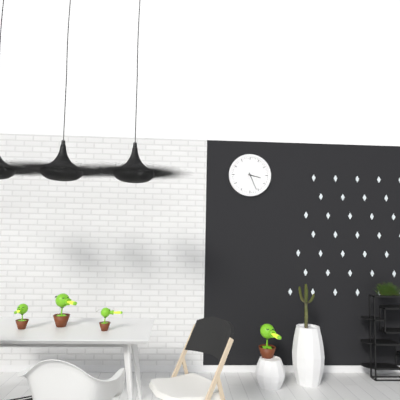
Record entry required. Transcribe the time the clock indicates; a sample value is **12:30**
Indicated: **3:26**
